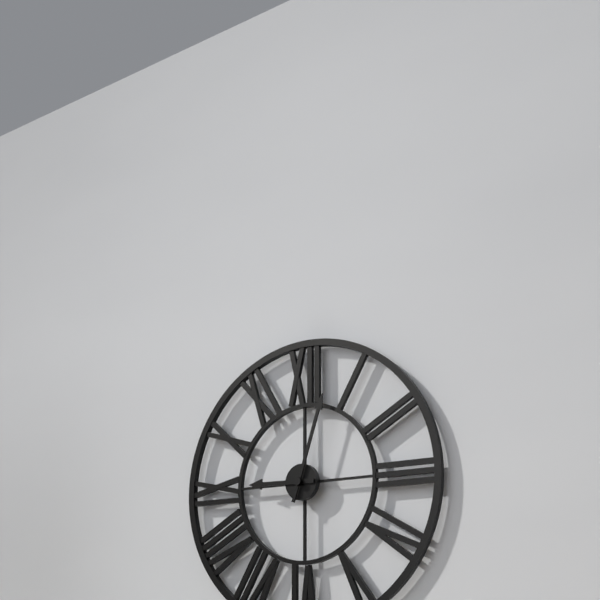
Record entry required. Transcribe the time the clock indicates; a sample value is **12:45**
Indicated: **9:03**
